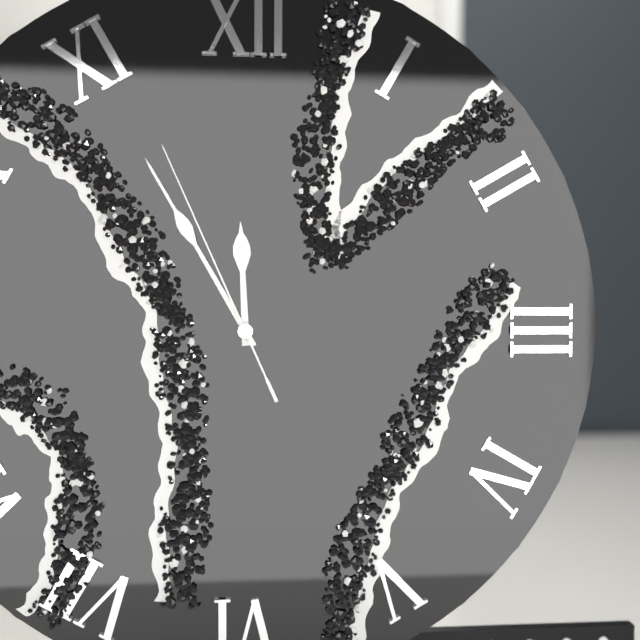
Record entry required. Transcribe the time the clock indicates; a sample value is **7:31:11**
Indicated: **11:55:56**
